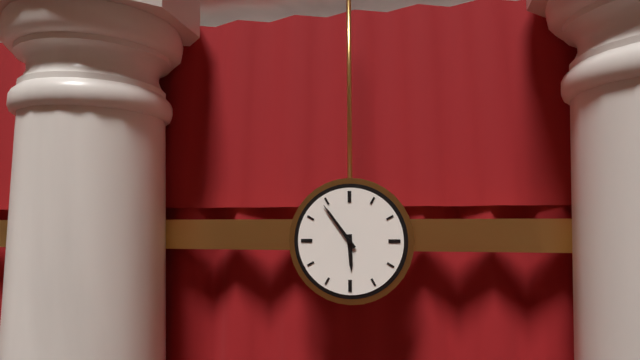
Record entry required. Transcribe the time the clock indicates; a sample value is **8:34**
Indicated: **5:54**
